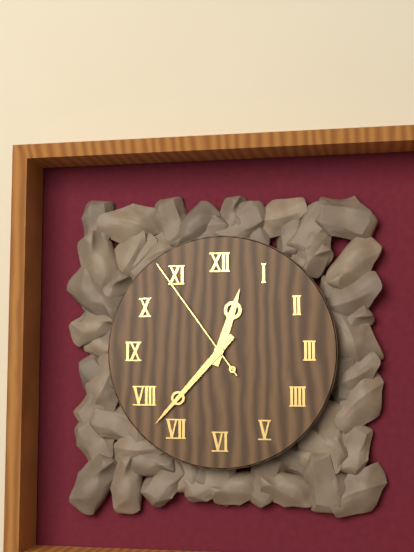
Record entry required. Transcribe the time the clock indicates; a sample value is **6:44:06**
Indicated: **12:37:54**
